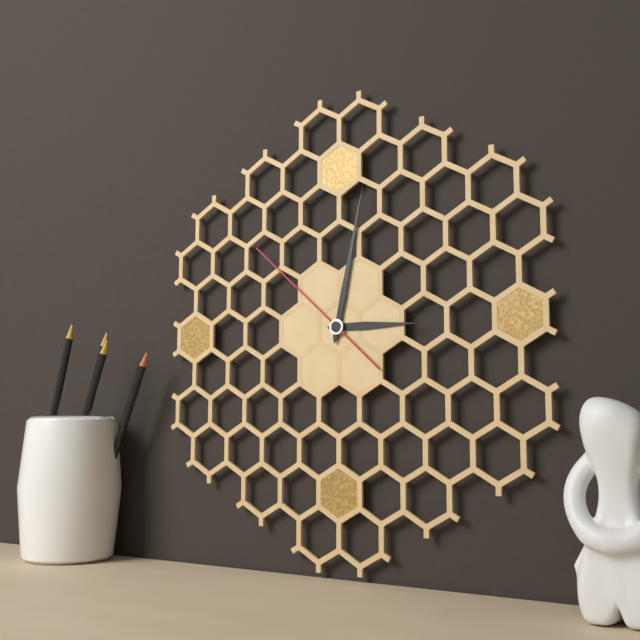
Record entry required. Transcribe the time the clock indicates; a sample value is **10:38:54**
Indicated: **3:02:52**
